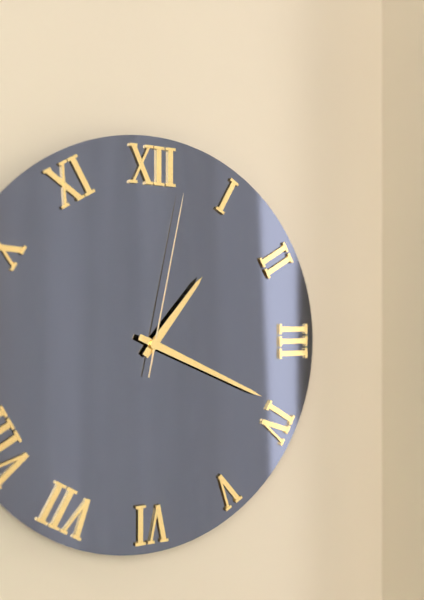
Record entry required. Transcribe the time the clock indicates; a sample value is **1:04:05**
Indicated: **1:19:02**
